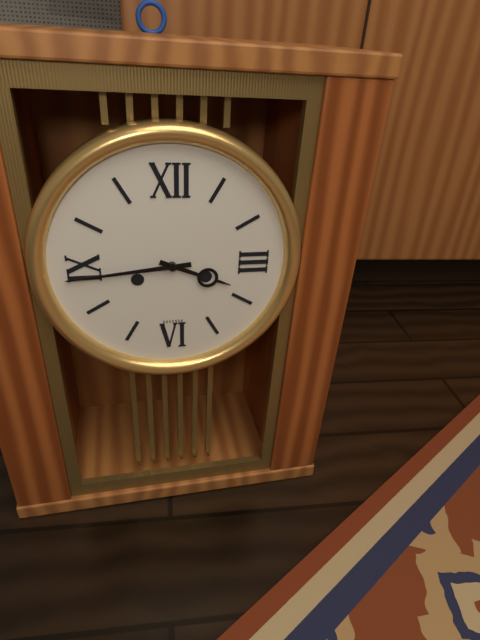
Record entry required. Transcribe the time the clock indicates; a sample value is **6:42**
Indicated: **3:44**
